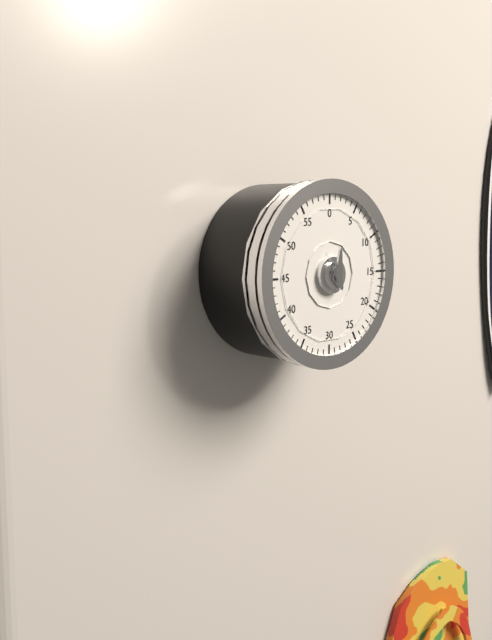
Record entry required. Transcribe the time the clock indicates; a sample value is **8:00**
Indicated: **5:01**
